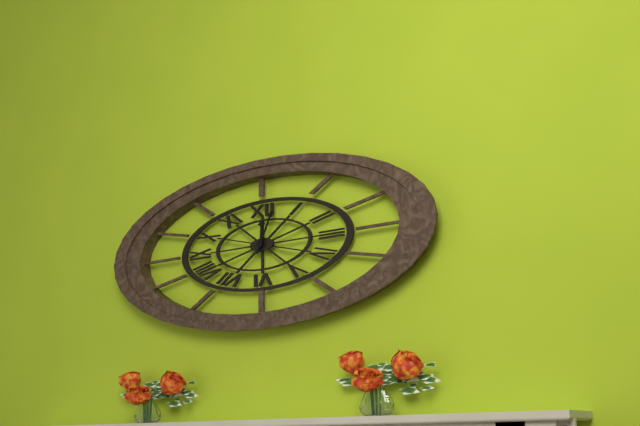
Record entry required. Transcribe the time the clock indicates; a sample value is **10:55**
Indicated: **12:04**
